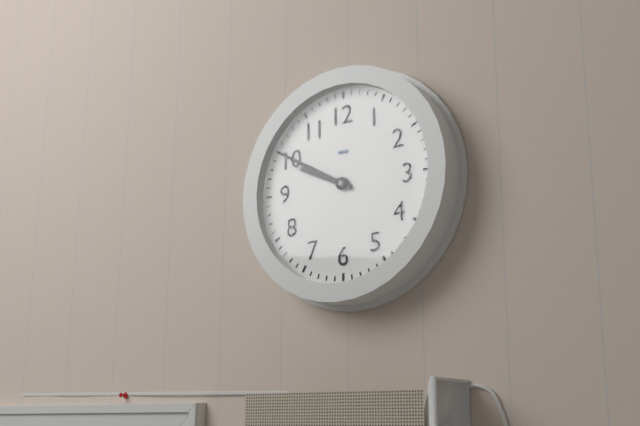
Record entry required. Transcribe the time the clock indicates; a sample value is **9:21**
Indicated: **9:50**
